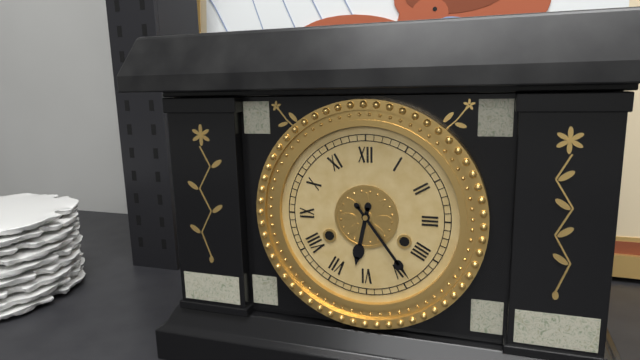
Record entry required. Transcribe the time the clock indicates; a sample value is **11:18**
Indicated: **6:24**
